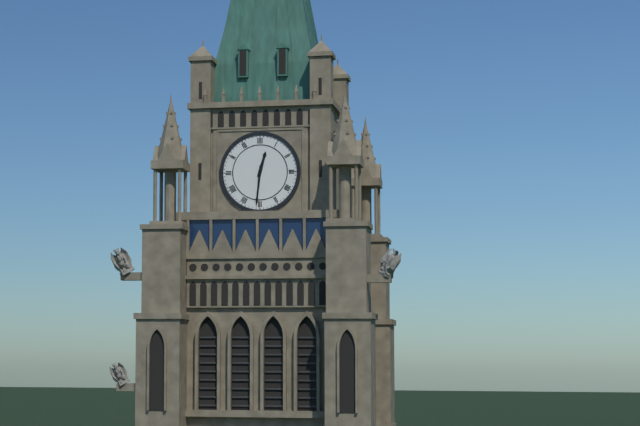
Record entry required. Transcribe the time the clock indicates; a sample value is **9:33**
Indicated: **12:31**
